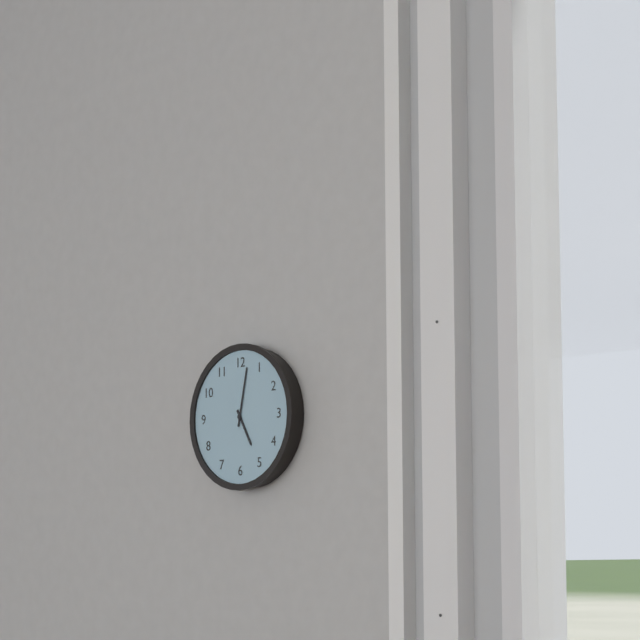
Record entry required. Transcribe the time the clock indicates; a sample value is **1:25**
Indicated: **5:02**
